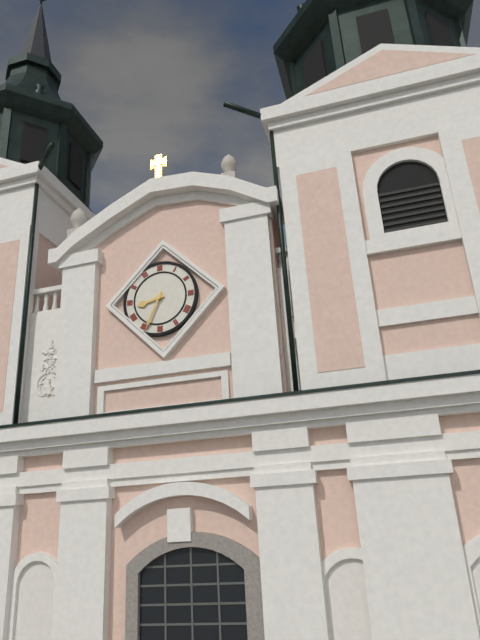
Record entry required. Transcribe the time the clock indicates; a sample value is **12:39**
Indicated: **8:34**
